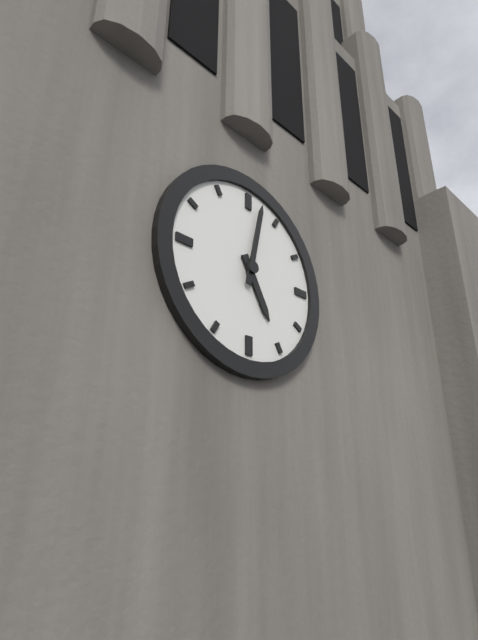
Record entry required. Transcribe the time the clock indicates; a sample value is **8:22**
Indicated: **5:02**
